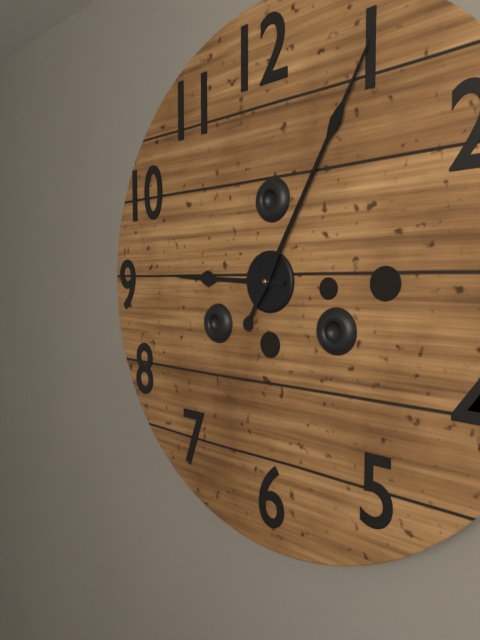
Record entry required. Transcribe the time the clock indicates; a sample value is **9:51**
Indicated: **9:05**
